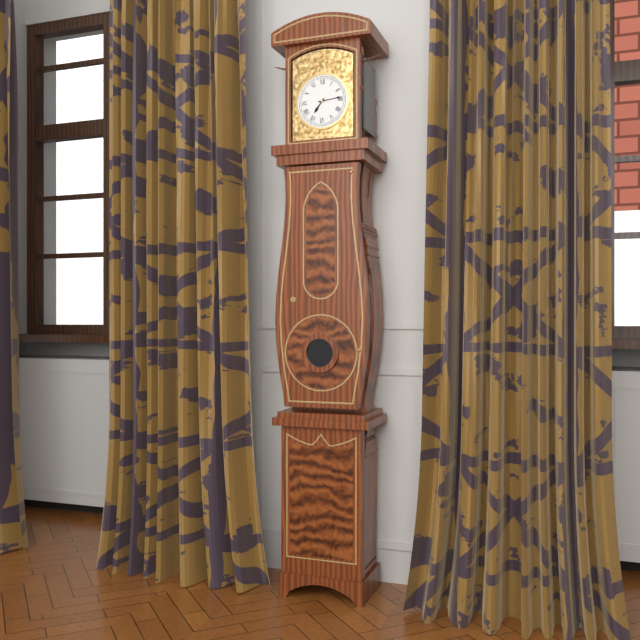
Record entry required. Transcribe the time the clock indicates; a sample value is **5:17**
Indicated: **7:14**
